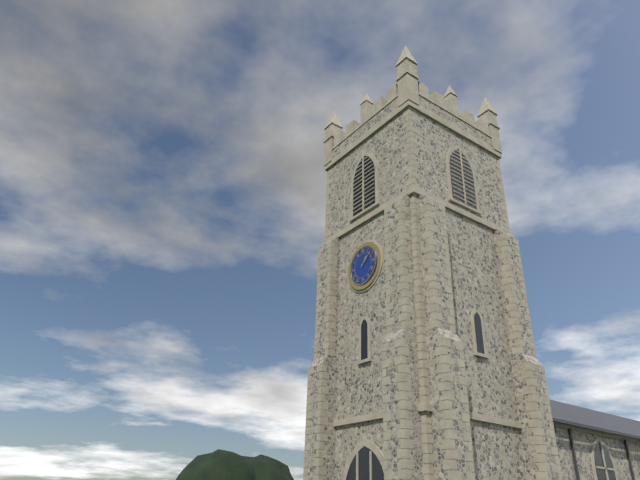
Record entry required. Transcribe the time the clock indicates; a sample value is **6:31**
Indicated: **1:08**
